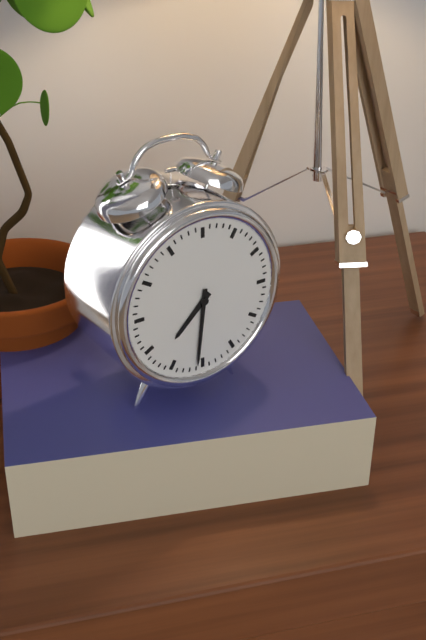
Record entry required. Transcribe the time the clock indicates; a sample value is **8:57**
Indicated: **7:31**
